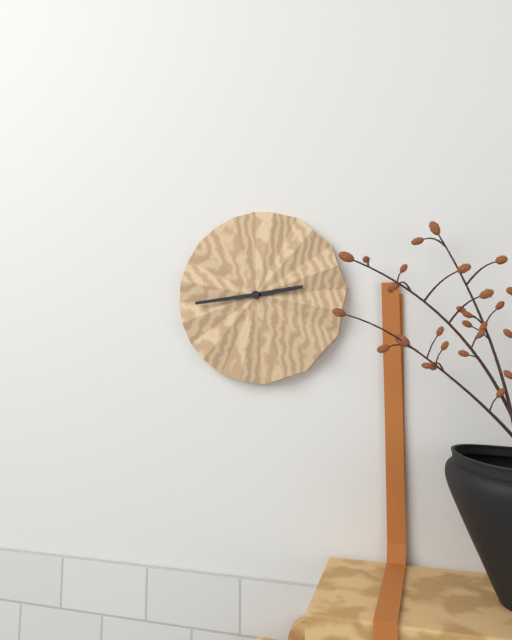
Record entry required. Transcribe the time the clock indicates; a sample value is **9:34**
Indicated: **2:44**
